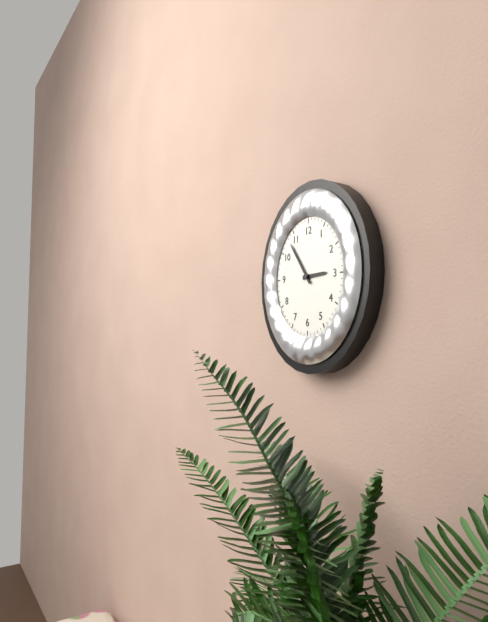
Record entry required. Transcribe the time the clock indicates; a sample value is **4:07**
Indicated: **2:54**
